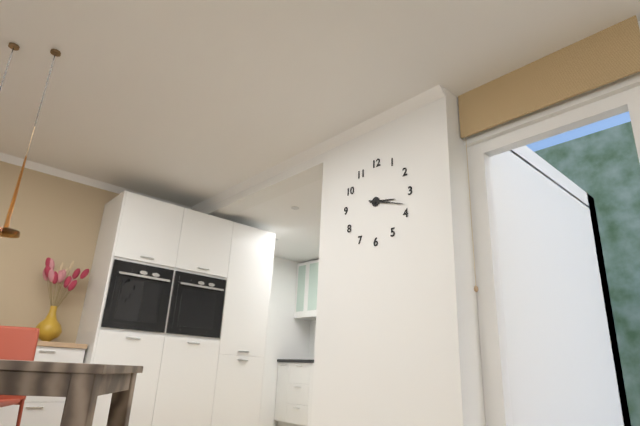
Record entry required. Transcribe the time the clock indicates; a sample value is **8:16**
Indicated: **3:18**
